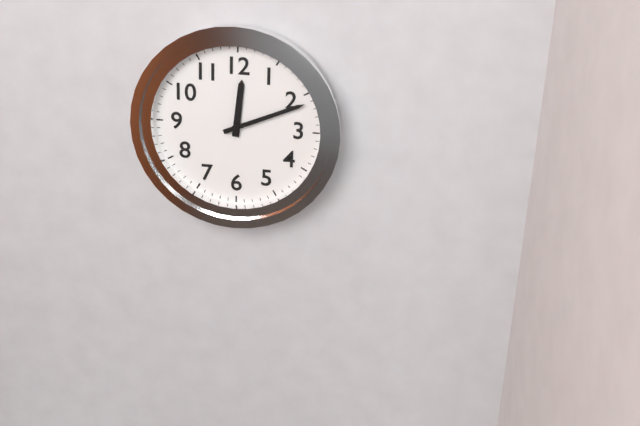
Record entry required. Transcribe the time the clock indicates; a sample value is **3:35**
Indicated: **12:11**
